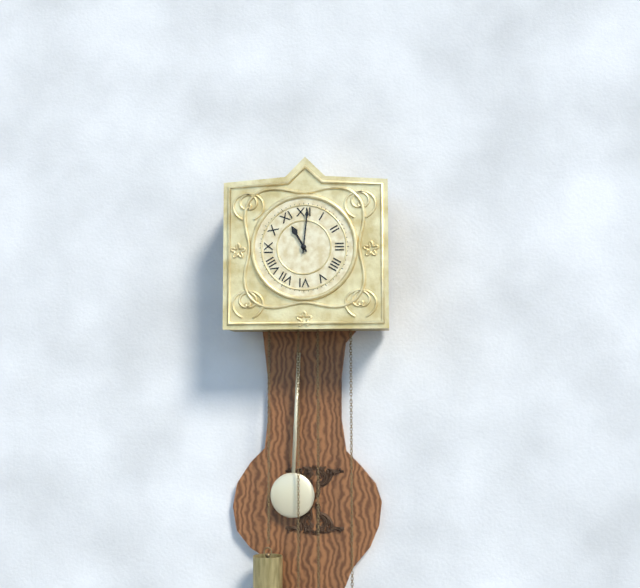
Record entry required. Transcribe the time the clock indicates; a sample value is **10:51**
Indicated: **11:01**
